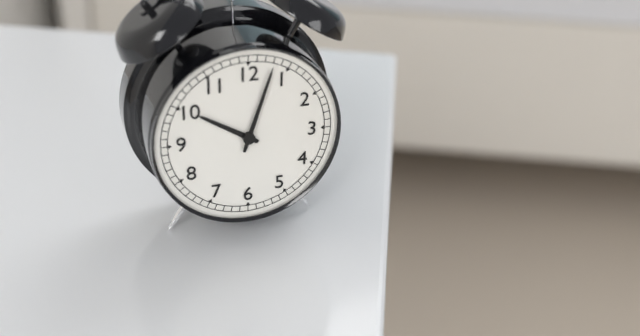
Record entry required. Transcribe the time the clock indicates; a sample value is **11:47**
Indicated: **10:03**
